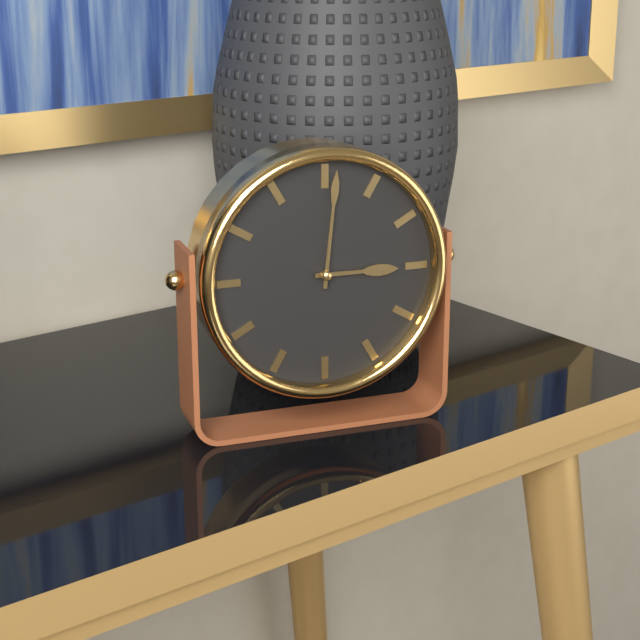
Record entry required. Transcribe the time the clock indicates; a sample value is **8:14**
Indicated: **3:01**
